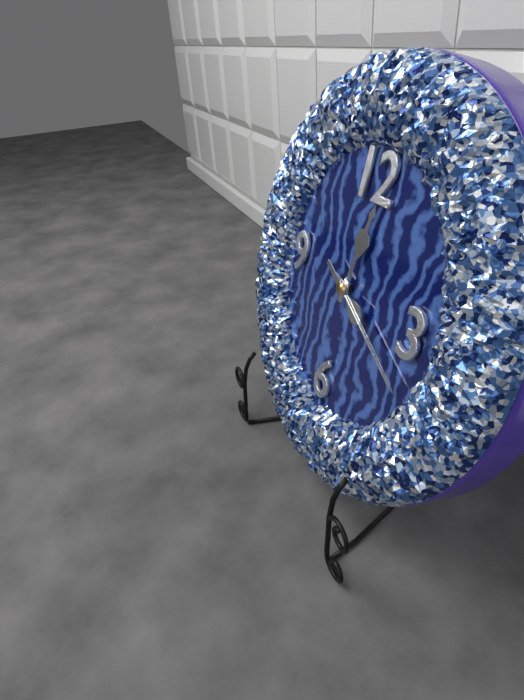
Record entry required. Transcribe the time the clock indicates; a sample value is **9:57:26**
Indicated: **12:19:19**
